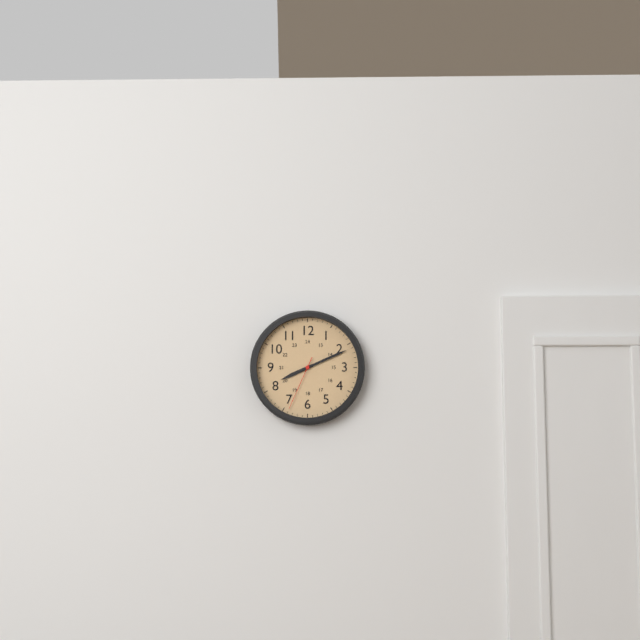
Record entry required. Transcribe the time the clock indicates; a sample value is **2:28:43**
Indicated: **8:11:34**
